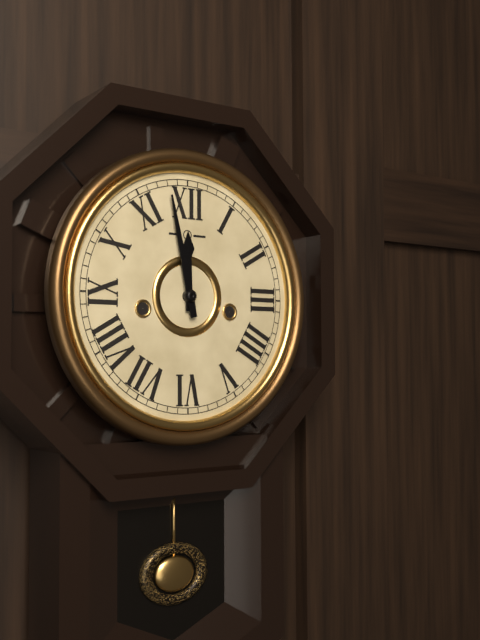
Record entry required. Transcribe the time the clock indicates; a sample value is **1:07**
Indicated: **11:58**
